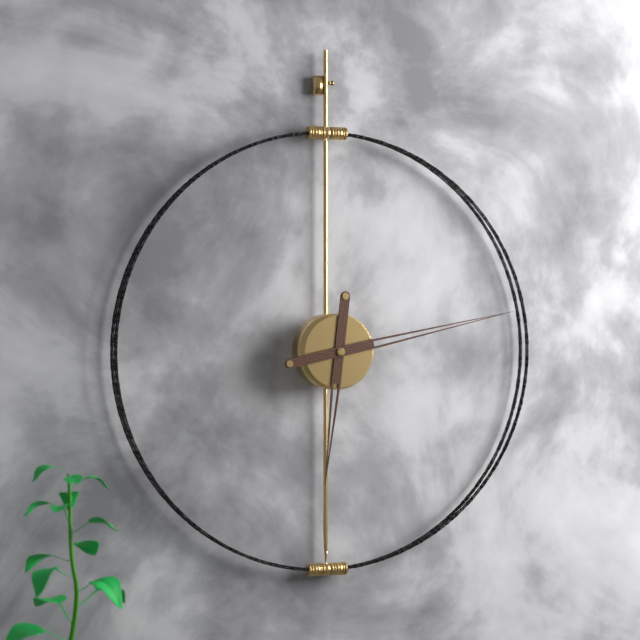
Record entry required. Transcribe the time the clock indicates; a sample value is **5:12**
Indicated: **6:13**
